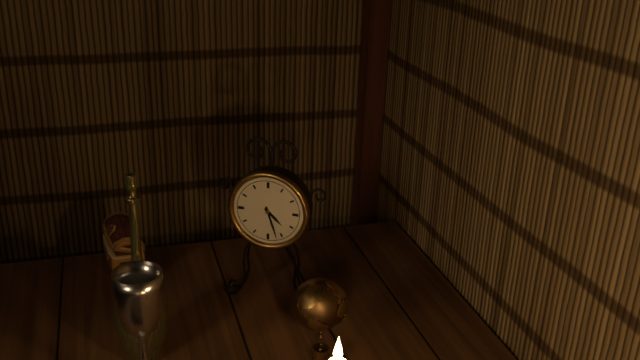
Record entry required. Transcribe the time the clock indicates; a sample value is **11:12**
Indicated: **4:27**
